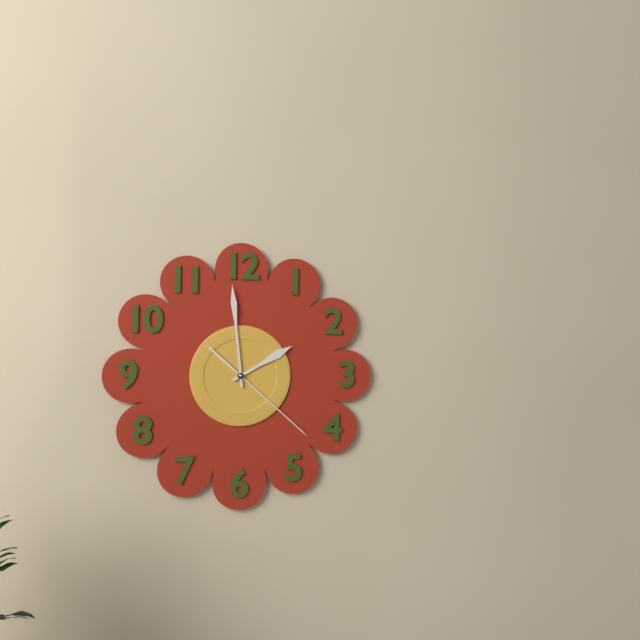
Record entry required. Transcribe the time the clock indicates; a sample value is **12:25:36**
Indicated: **1:59:22**
